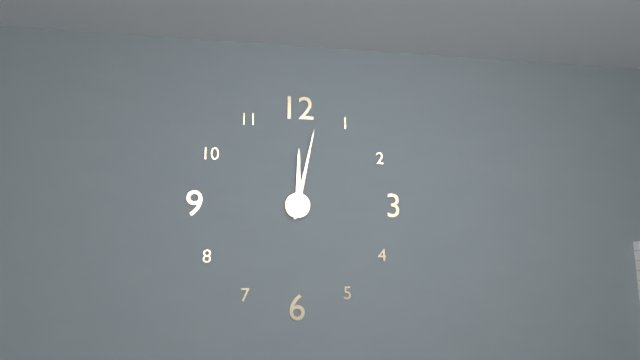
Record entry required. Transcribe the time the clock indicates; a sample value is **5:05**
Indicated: **12:02**
